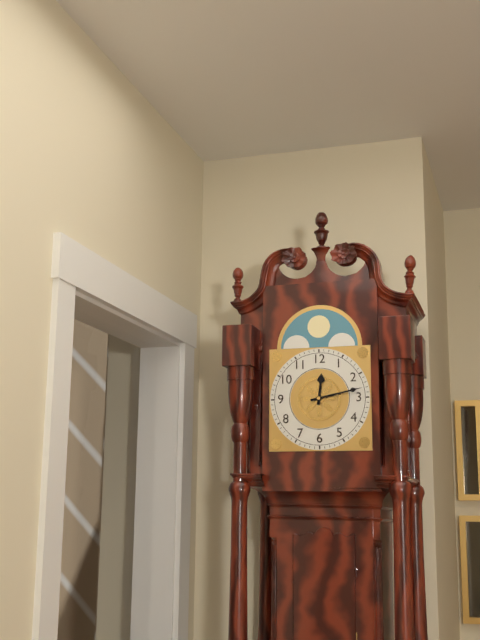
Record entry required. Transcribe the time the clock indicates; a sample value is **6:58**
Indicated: **12:13**
